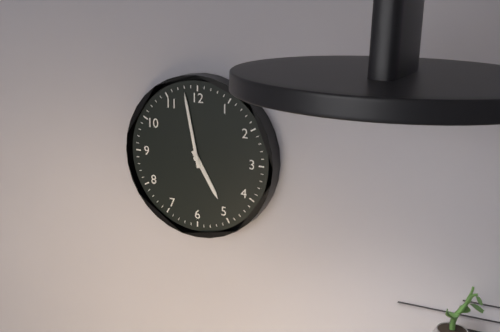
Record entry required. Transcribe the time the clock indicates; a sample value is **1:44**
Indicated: **4:58**
